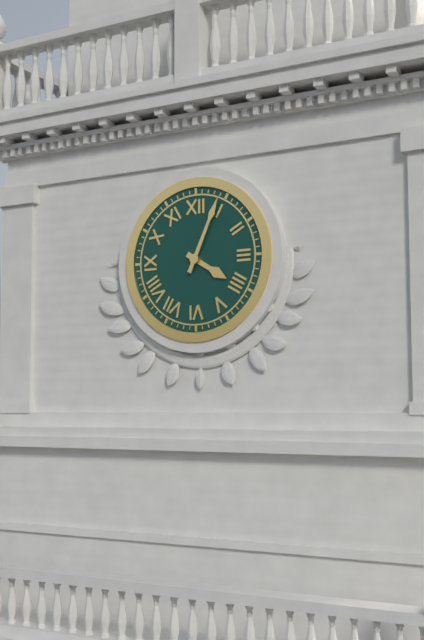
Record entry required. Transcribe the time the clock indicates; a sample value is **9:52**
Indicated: **4:04**
